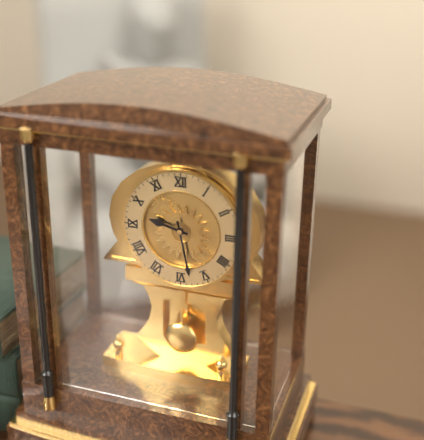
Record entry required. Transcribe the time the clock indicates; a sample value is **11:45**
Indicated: **9:28**
